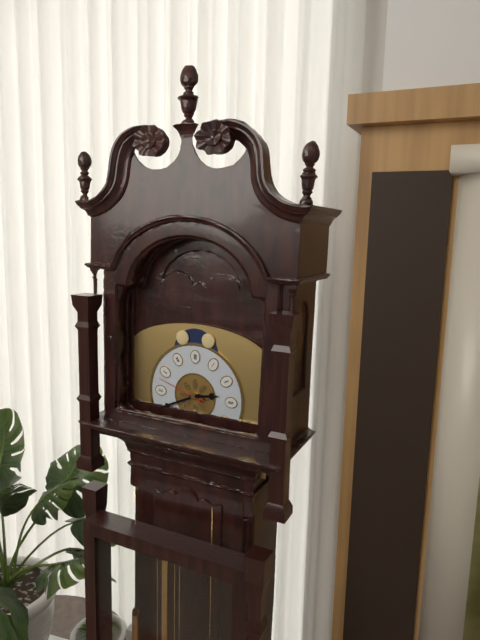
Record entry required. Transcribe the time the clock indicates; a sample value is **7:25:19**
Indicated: **2:41:48**
